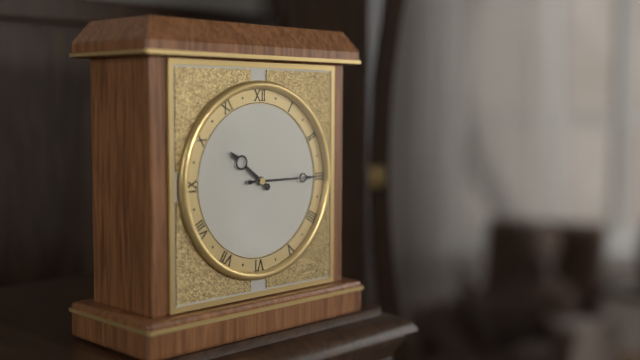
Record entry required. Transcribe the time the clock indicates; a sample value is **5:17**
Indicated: **10:15**
